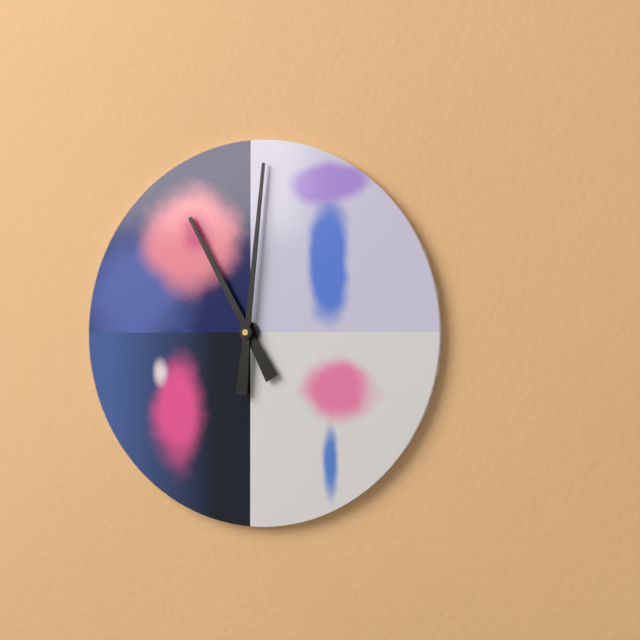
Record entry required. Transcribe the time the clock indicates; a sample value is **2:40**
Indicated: **11:01**
